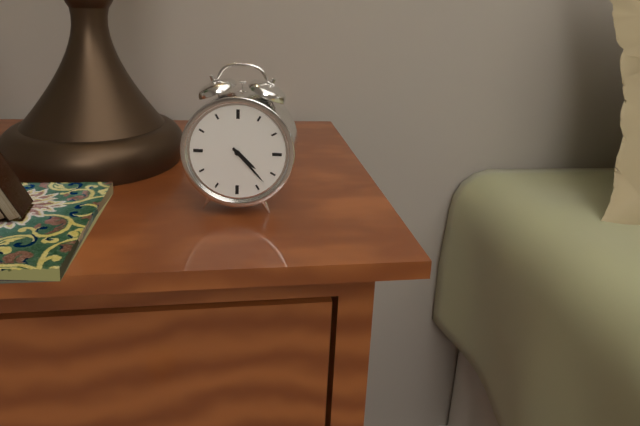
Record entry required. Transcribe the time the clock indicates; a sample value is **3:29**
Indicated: **4:23**
